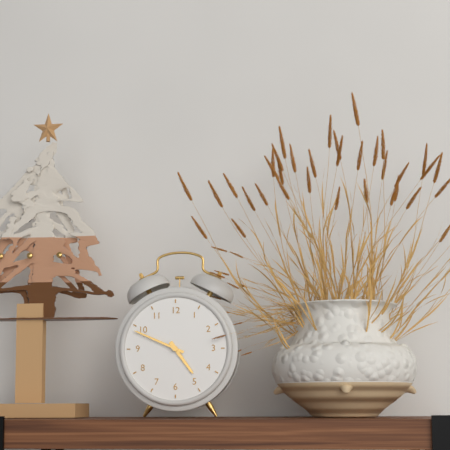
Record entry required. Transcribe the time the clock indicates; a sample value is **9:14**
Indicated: **4:49**
